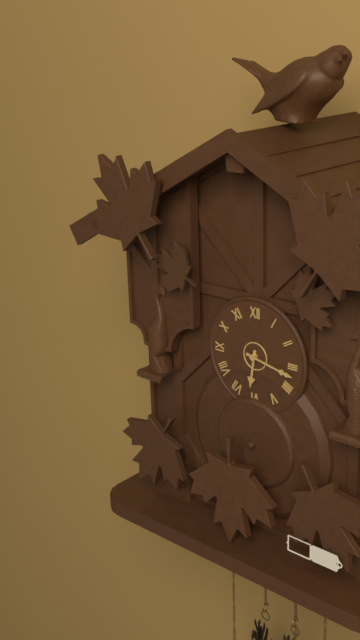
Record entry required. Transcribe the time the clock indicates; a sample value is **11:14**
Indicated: **6:17**
